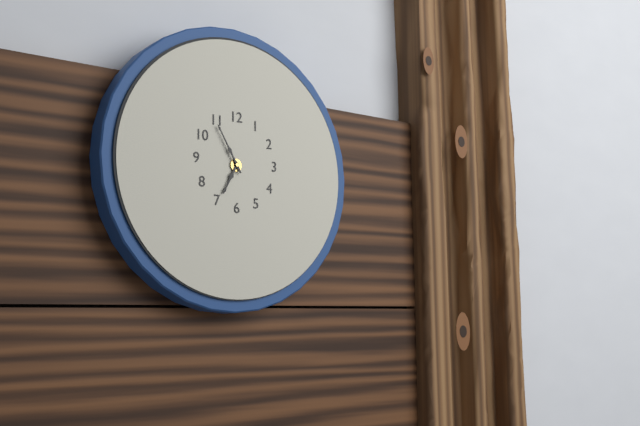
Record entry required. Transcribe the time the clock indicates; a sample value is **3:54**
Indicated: **6:55**
